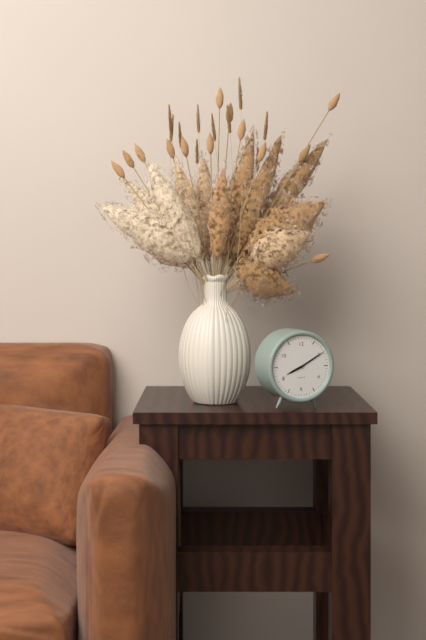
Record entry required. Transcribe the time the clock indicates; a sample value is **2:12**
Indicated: **8:10**
